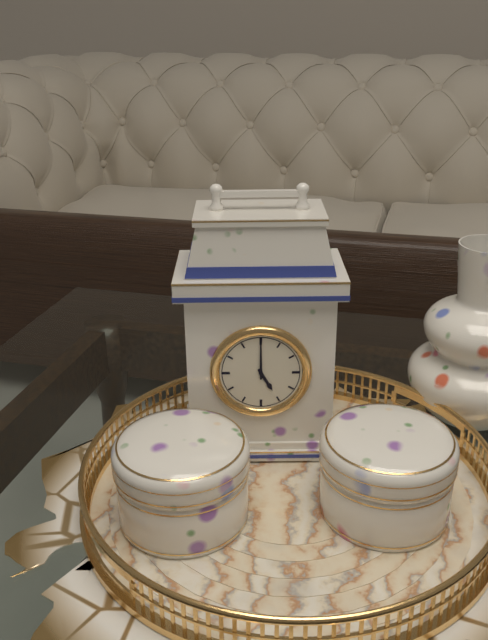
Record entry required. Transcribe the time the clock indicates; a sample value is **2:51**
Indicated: **5:00**
